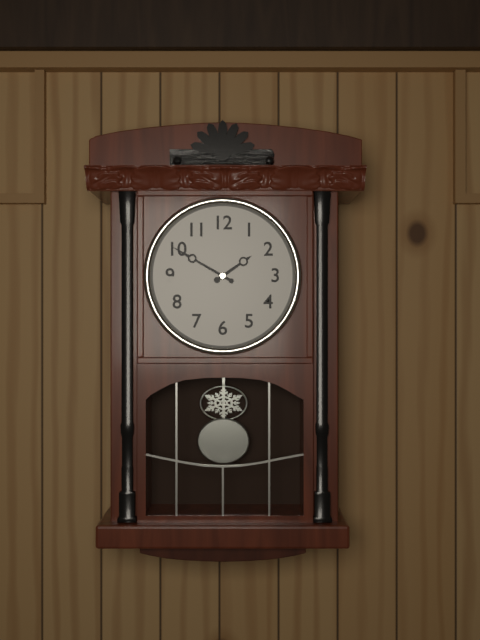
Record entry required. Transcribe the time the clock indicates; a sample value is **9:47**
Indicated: **1:50**
